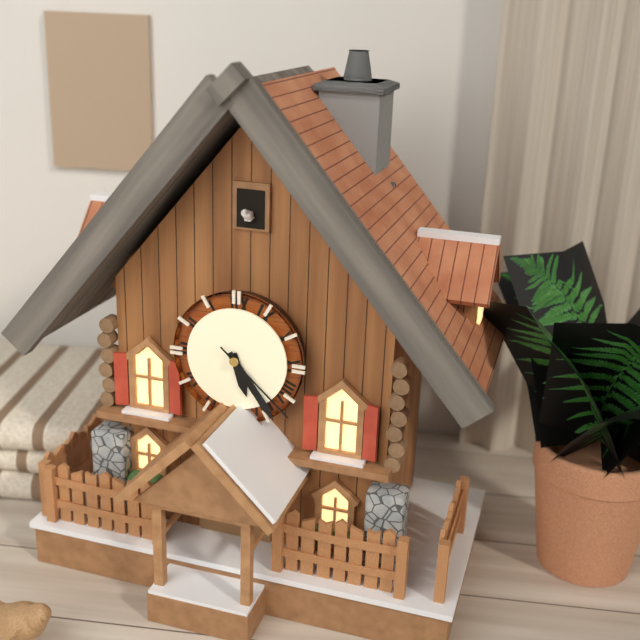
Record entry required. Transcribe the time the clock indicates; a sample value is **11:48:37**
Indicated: **5:24:22**
